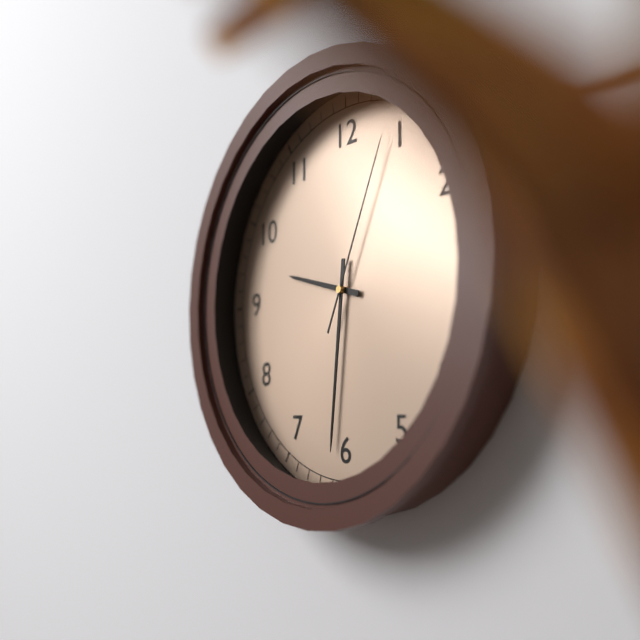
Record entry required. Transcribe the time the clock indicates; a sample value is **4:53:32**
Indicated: **9:31:04**
